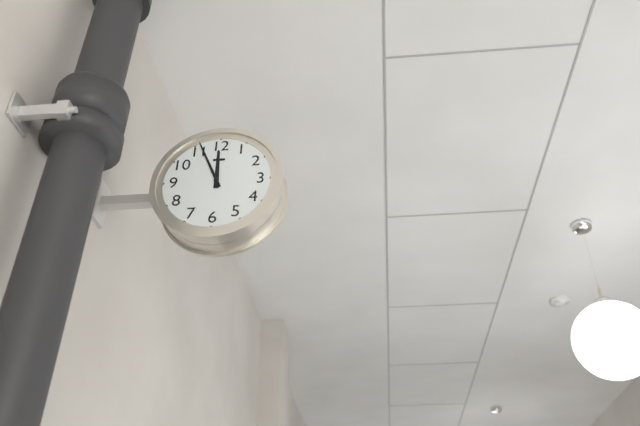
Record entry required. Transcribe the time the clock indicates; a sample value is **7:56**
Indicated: **11:56**
